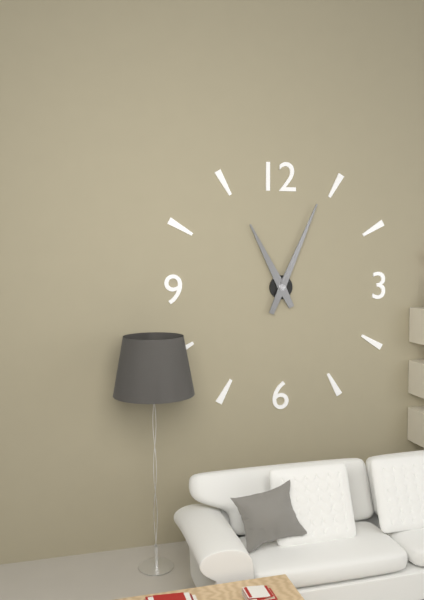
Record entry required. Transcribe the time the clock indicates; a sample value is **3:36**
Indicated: **11:04**
